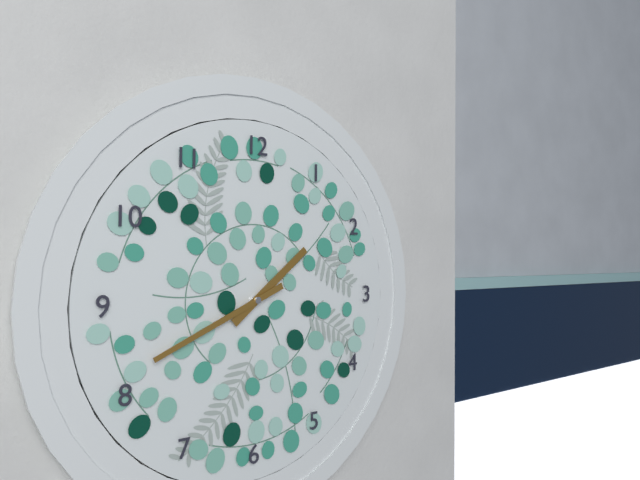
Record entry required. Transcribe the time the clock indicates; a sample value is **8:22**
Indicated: **1:41**
